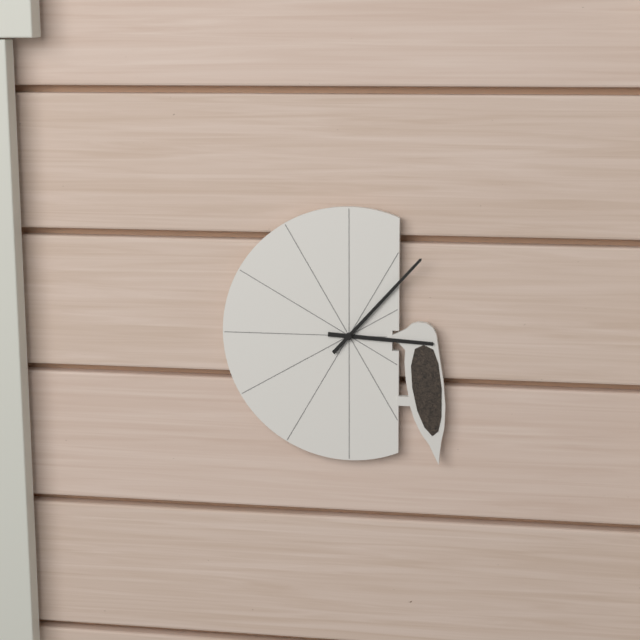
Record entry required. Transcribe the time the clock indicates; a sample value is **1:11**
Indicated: **3:07**
